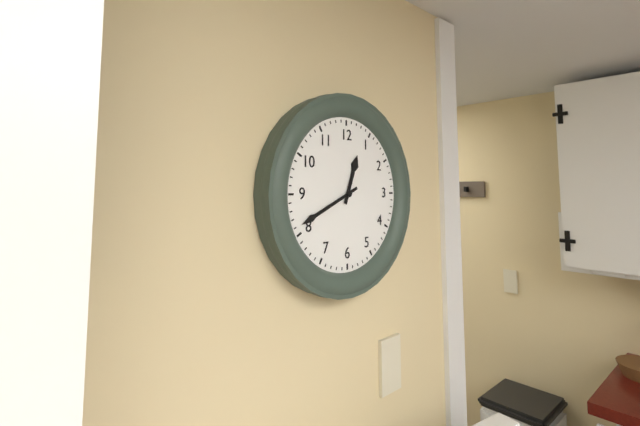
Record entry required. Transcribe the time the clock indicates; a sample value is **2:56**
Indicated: **12:41**
